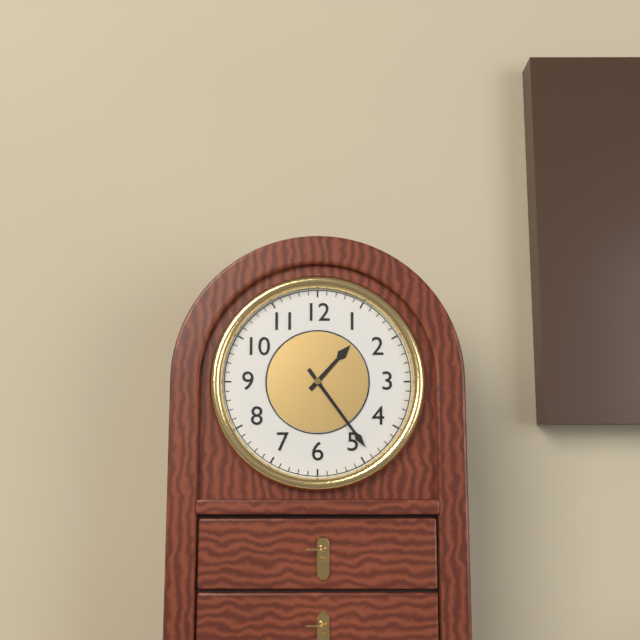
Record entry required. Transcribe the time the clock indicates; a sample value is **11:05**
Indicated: **1:24**
